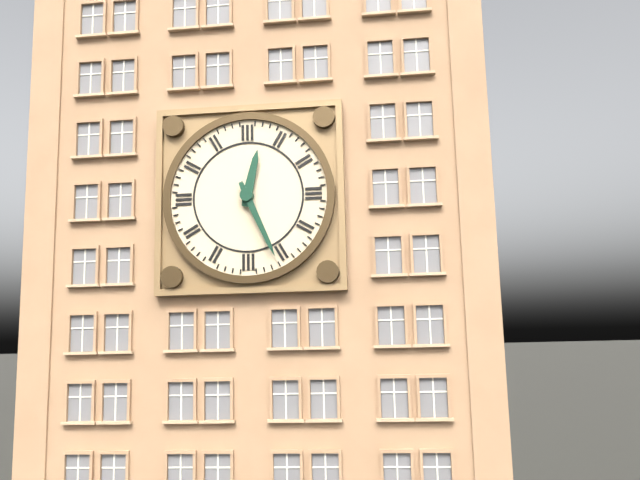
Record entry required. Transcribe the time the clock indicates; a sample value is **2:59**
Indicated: **12:26**
